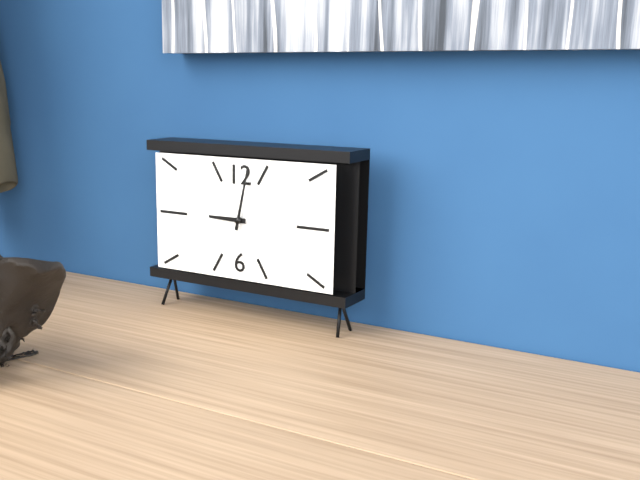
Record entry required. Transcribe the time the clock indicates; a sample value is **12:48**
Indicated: **9:02**
